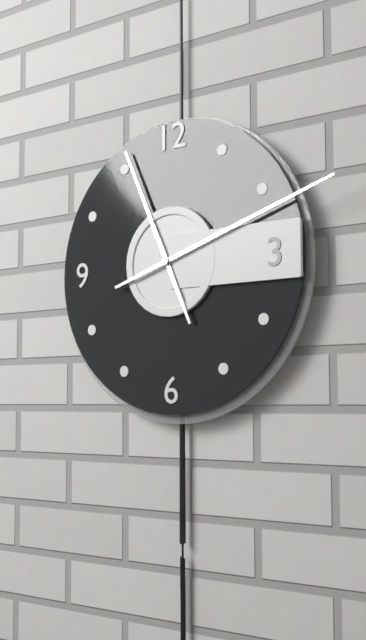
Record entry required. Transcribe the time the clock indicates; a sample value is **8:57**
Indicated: **11:12**
